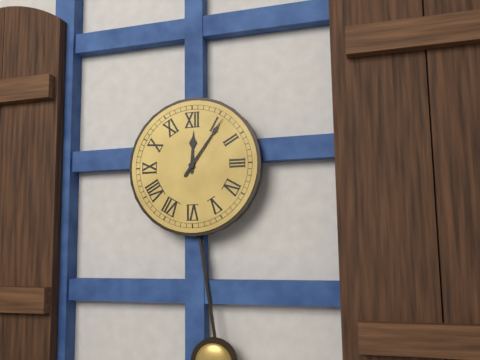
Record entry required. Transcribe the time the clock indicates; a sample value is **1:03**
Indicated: **12:06**
